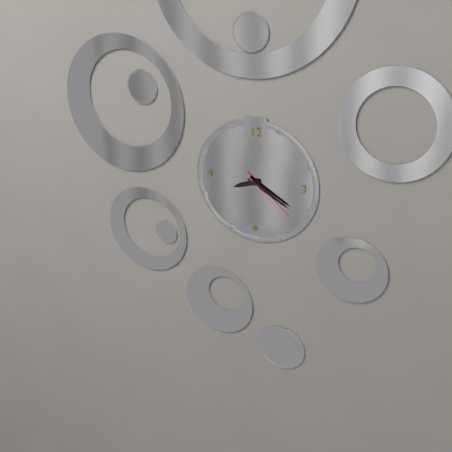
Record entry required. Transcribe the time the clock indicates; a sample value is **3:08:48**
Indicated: **8:20:22**
